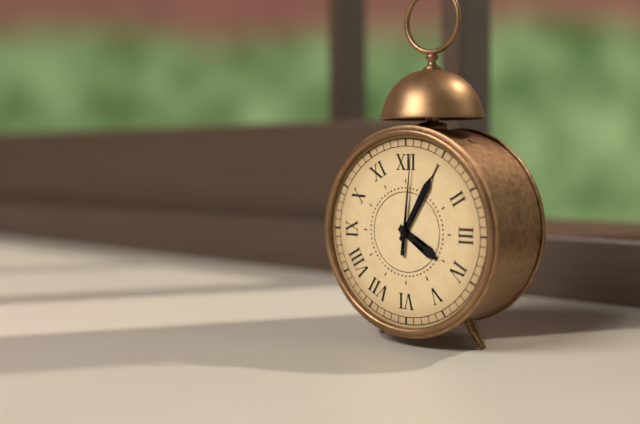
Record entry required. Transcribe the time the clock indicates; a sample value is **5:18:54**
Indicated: **4:05:01**
